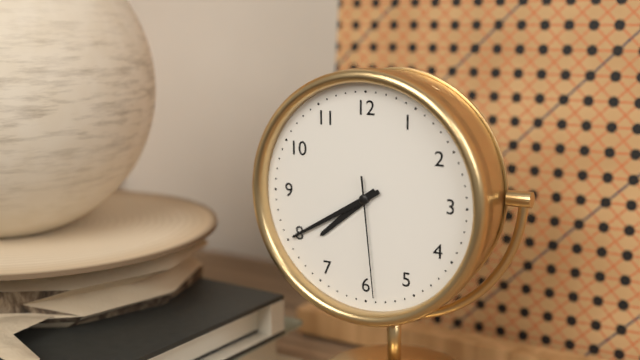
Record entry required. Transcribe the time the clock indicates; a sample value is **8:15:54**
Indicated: **7:40:29**
